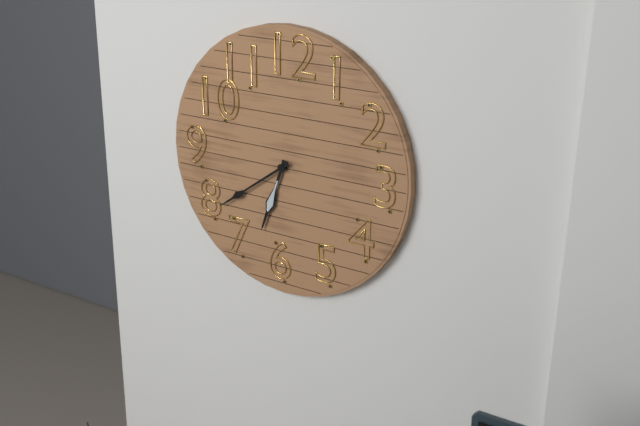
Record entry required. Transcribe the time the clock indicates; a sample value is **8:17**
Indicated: **6:39**
